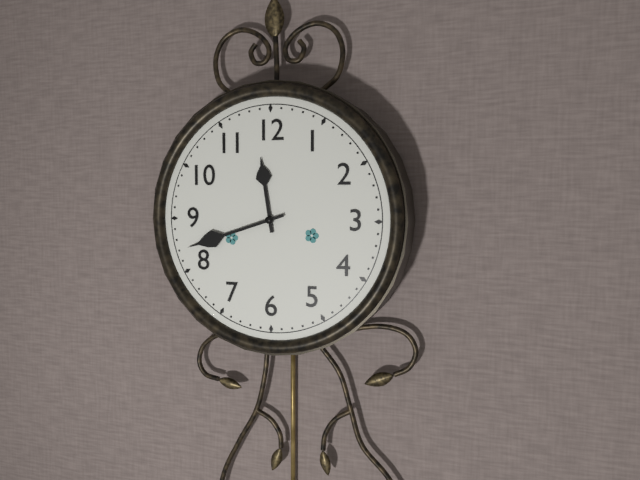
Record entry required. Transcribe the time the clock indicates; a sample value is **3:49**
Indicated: **11:42**
